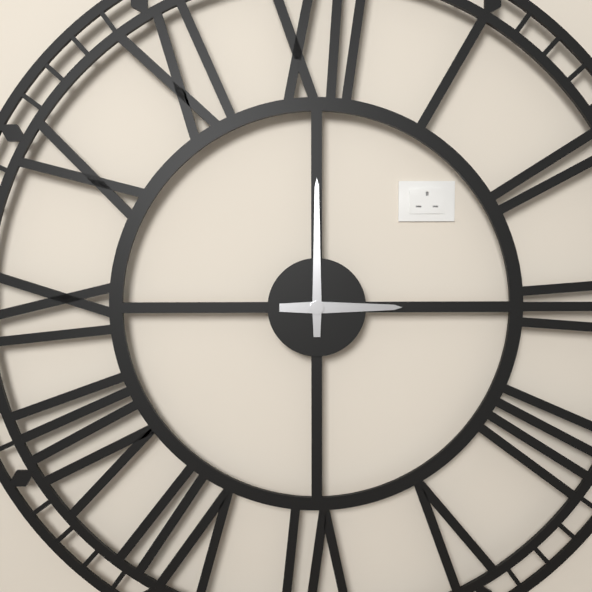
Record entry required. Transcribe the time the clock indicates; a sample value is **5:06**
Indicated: **3:00**
